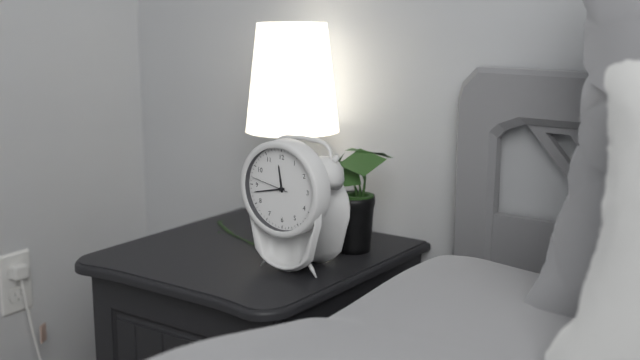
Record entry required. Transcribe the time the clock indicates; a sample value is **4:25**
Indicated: **11:43**
